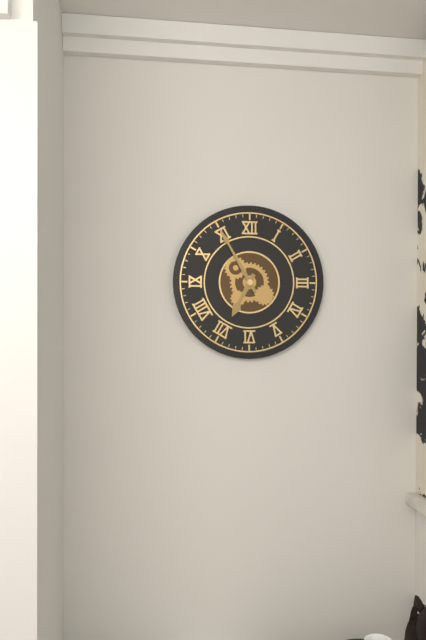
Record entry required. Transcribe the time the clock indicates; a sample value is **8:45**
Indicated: **6:55**
